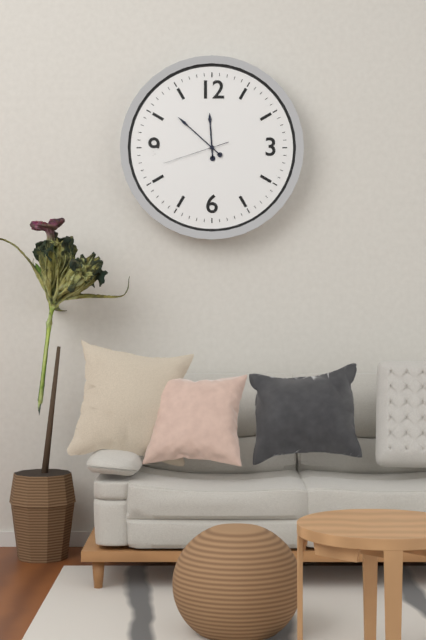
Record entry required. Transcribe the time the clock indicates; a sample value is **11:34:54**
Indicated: **11:52:42**
